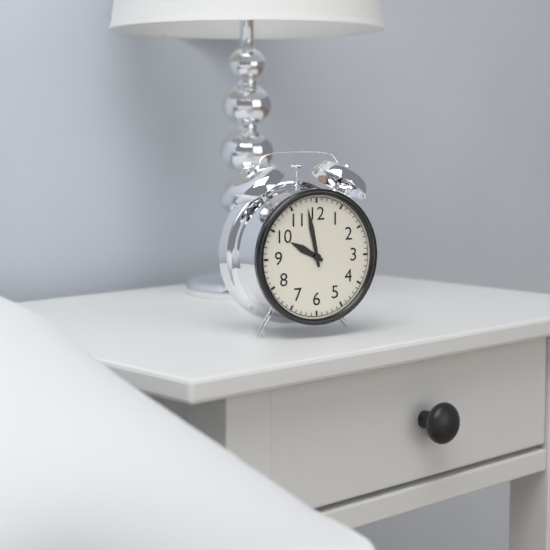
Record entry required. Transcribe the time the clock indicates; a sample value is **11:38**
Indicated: **9:58**
